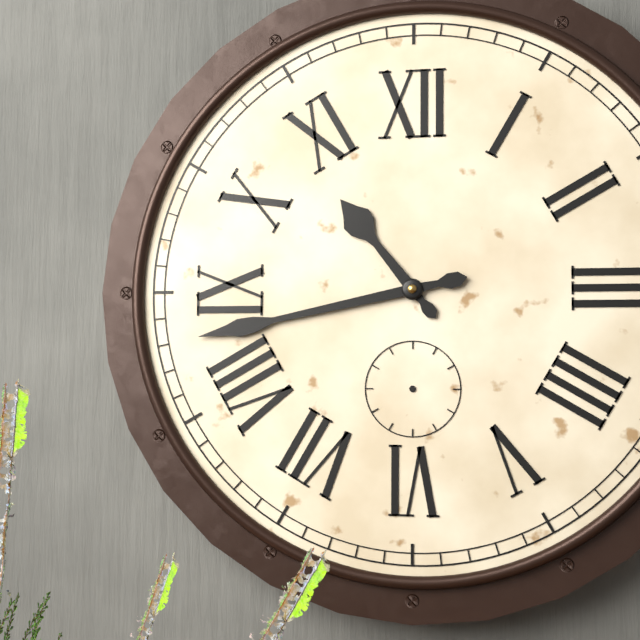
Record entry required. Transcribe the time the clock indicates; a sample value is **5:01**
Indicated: **10:43**
